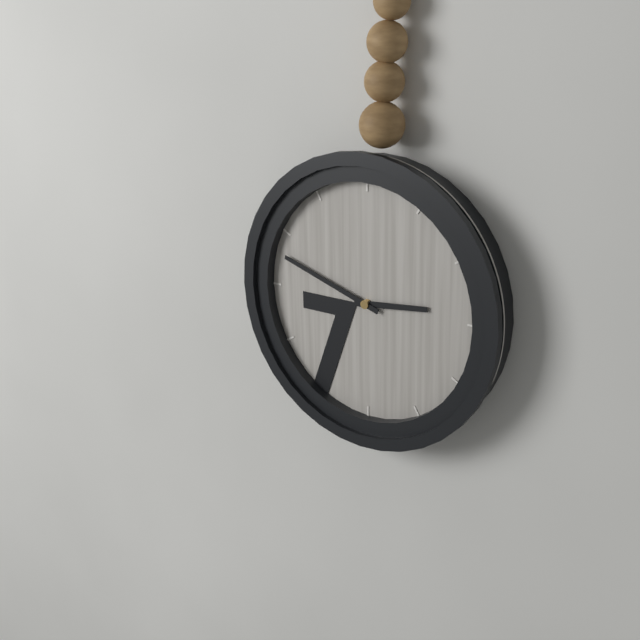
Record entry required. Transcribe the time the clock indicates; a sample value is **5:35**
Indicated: **2:48**
